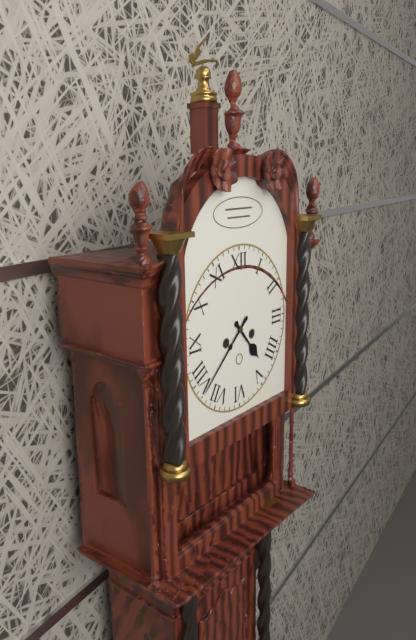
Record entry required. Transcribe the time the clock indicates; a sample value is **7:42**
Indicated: **4:38**
